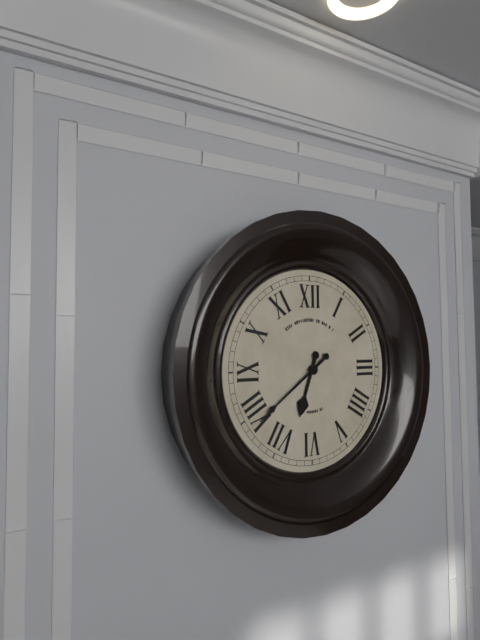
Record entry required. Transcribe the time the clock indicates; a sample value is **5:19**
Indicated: **6:39**
